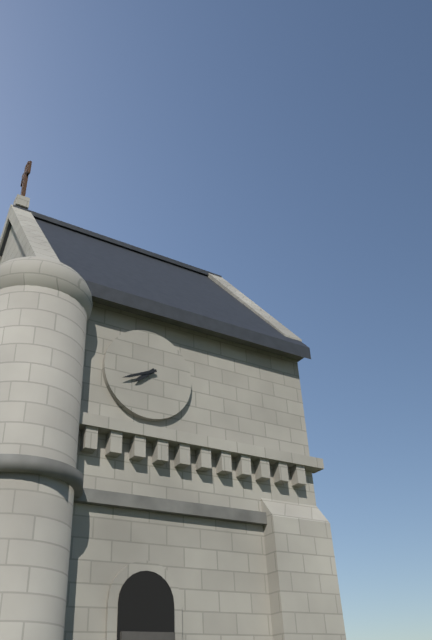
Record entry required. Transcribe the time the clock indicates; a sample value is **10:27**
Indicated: **7:41**
